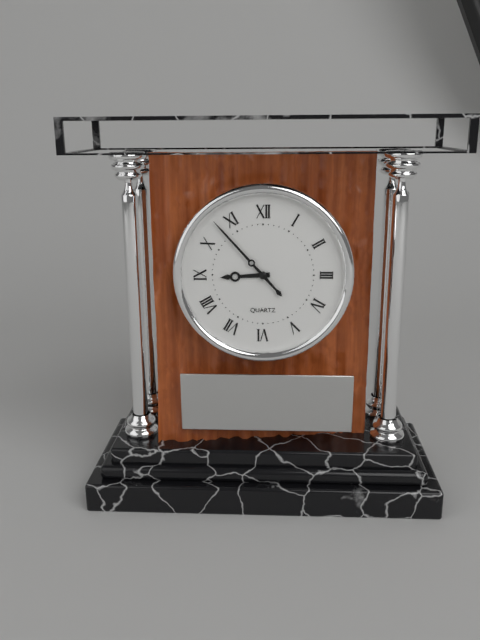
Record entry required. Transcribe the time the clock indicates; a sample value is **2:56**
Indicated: **8:53**
